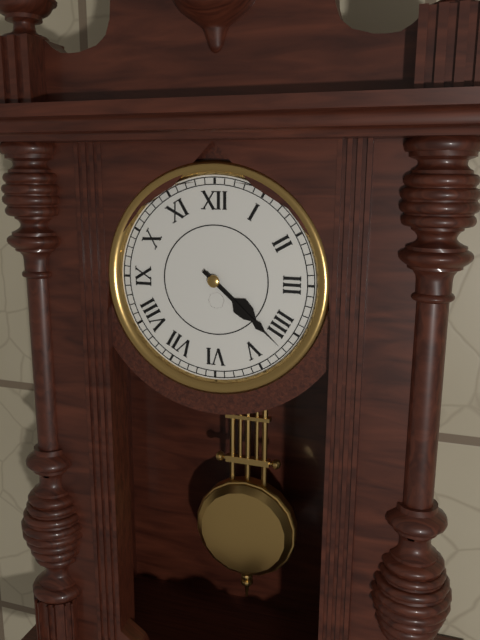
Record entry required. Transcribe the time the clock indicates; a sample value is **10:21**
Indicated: **4:22**
